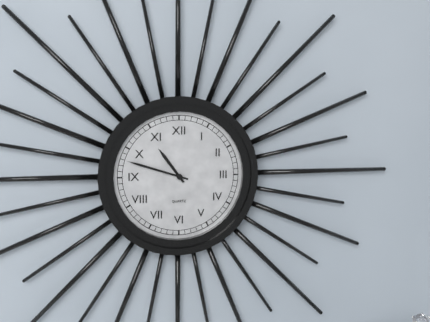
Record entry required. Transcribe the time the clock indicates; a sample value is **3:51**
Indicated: **10:48**
